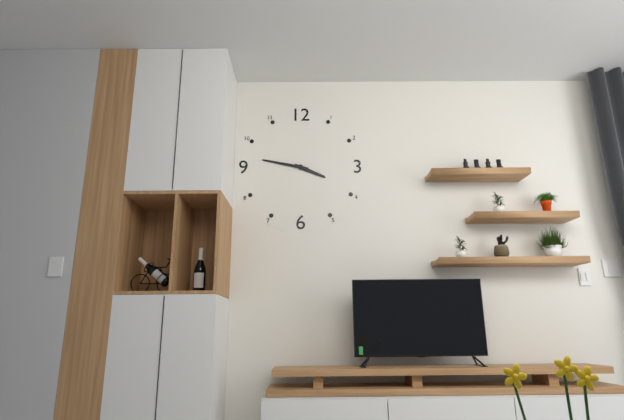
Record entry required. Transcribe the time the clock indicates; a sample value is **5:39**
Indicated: **3:47**
